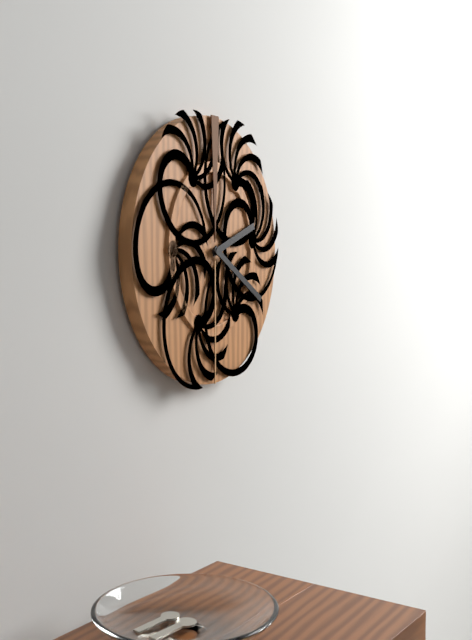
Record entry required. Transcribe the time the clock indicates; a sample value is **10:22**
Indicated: **2:20**
